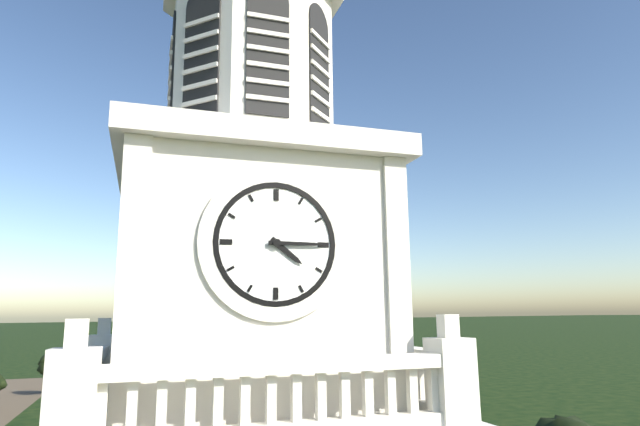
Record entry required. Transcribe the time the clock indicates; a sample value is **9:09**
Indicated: **4:15**
